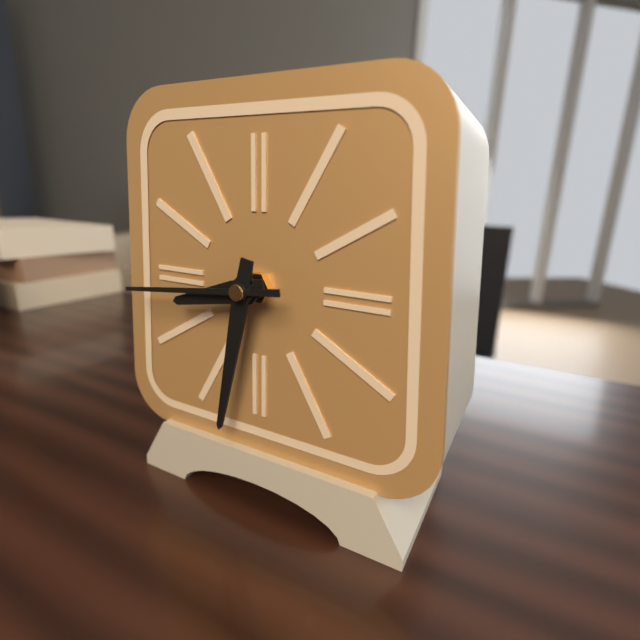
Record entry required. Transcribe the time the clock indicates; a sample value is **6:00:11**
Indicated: **8:32:44**
